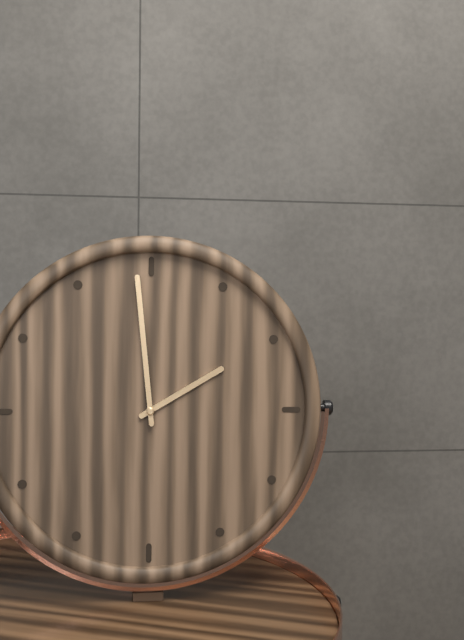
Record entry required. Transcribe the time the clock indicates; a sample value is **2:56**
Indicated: **1:59**
